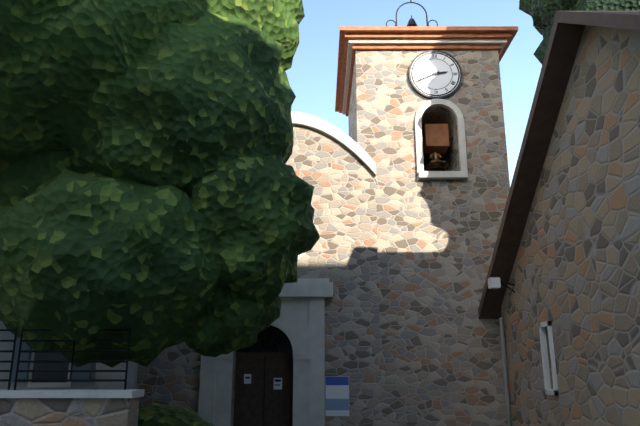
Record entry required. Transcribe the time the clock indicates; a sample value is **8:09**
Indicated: **2:41**
